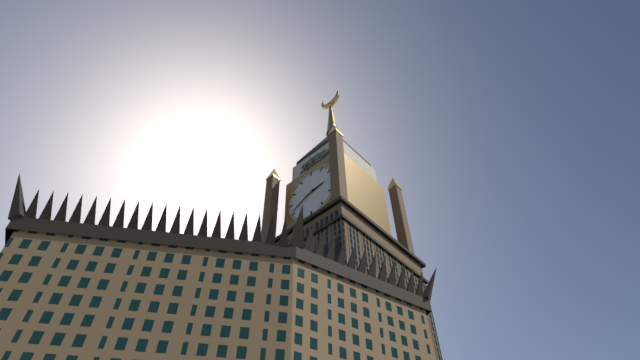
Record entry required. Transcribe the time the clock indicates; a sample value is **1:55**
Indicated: **2:41**
